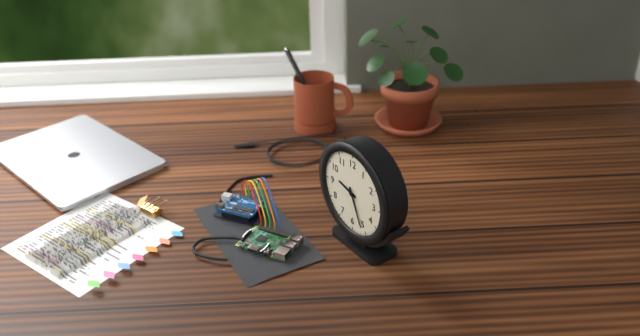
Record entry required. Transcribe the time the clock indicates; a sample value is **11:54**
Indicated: **9:26**
